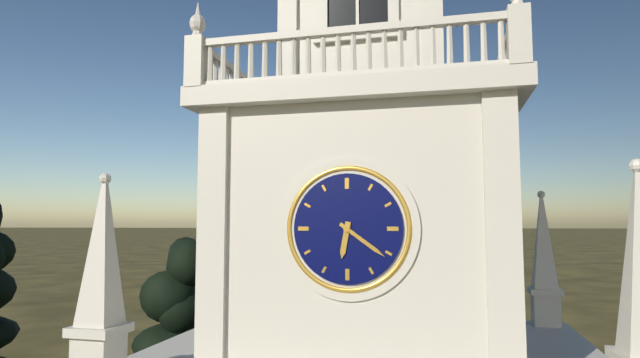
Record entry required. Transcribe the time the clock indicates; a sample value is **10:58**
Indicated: **6:21**
